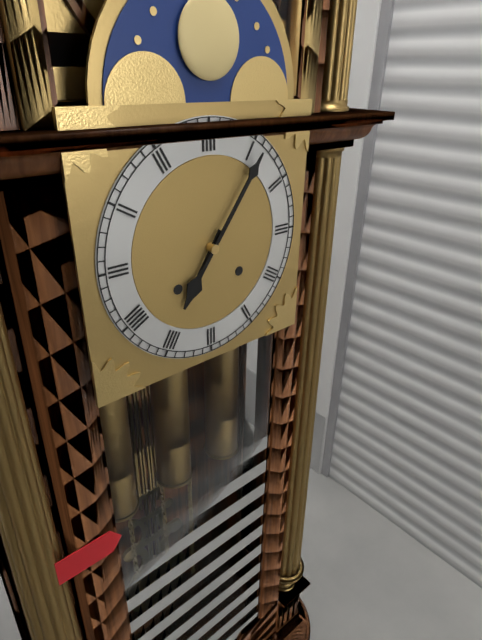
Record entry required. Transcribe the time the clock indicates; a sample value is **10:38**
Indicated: **7:06**
